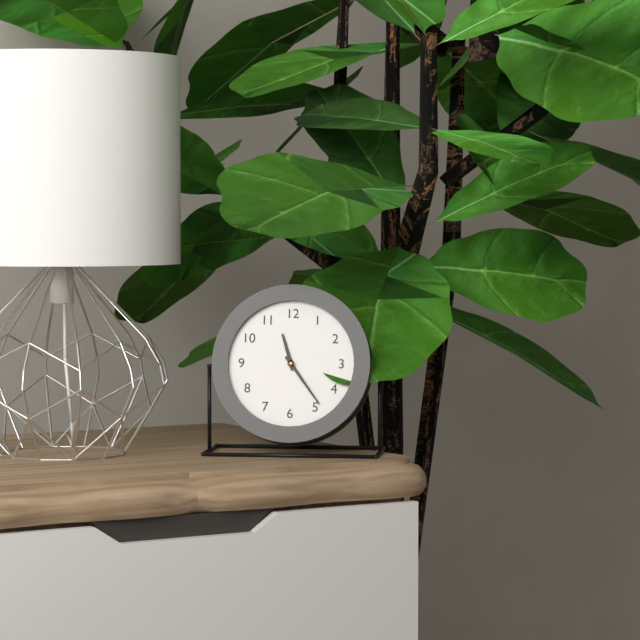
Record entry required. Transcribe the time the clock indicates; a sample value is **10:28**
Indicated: **11:24**
